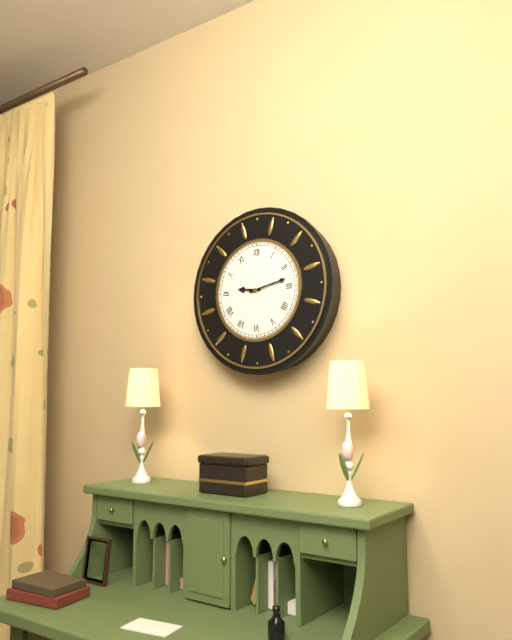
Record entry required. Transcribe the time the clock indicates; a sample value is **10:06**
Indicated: **9:13**
